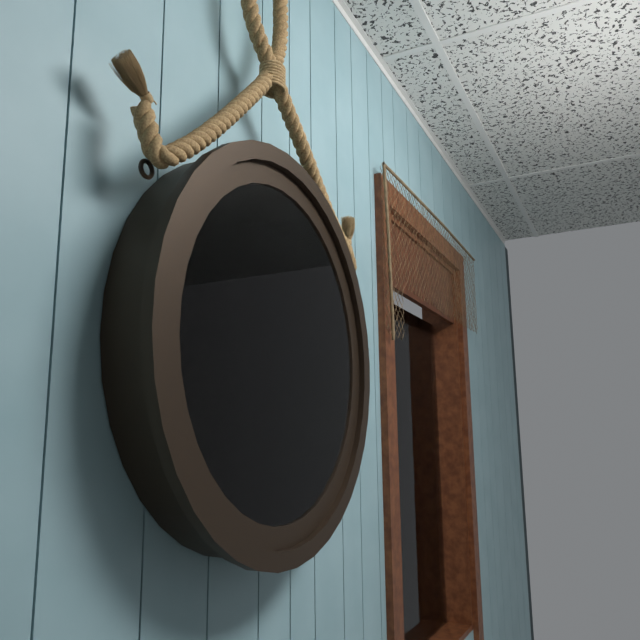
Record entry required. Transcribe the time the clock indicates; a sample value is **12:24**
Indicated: **8:56**
